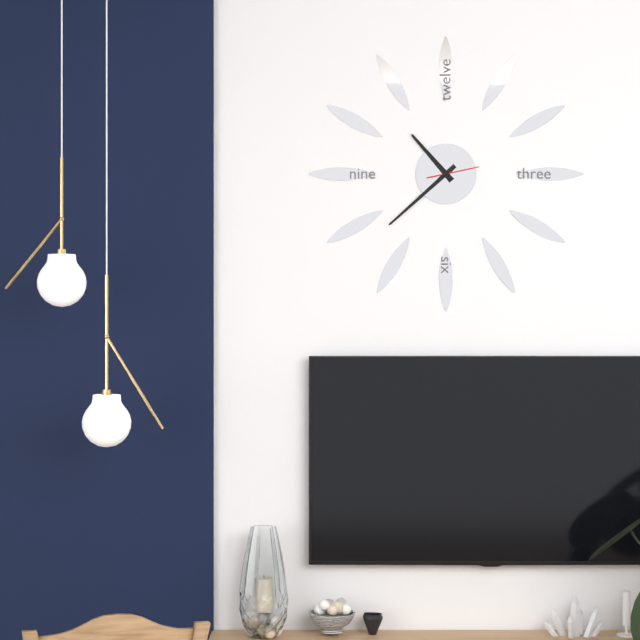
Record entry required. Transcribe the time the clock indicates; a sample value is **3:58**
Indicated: **10:38**
